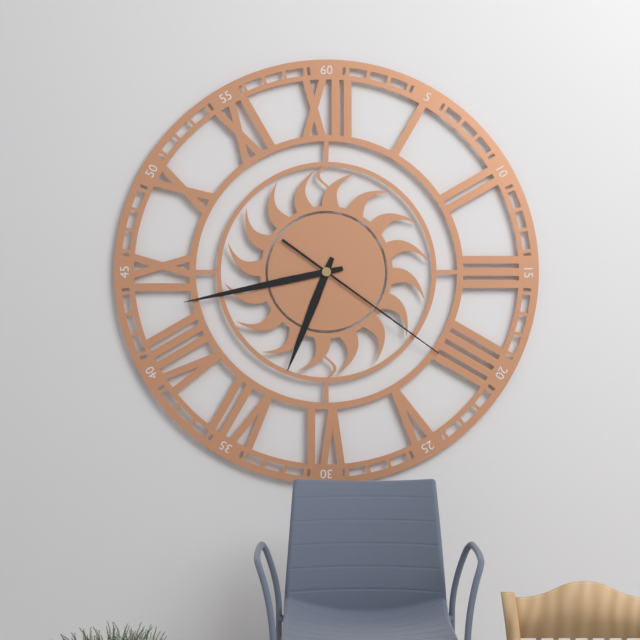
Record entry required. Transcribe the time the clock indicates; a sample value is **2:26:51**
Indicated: **6:43:21**
